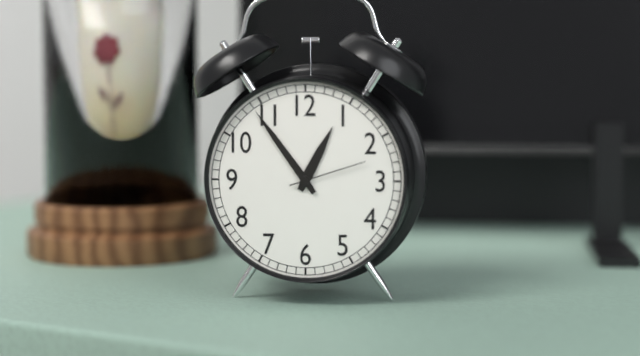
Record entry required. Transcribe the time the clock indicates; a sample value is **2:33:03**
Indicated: **12:54:12**
